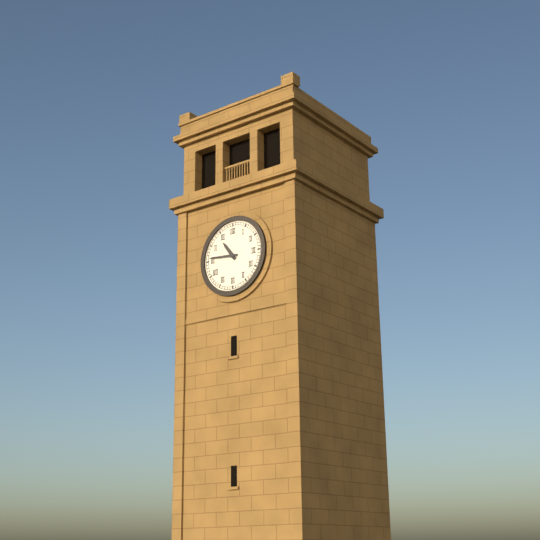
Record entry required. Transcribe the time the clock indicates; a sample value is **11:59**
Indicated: **10:46**
